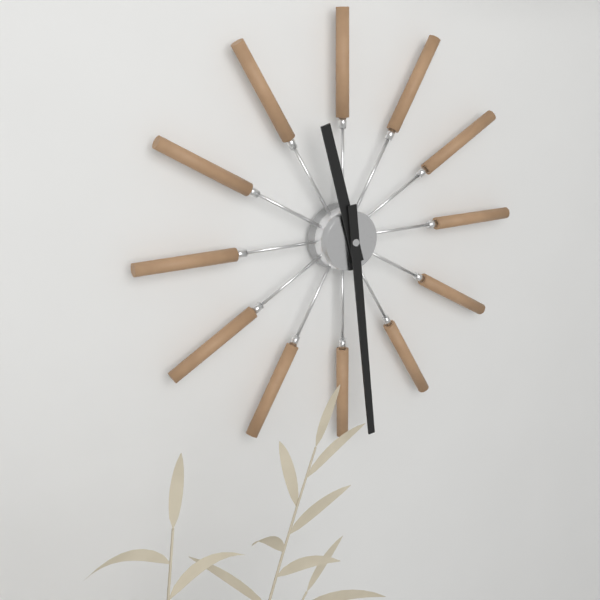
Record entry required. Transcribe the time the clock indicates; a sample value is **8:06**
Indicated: **11:29**
